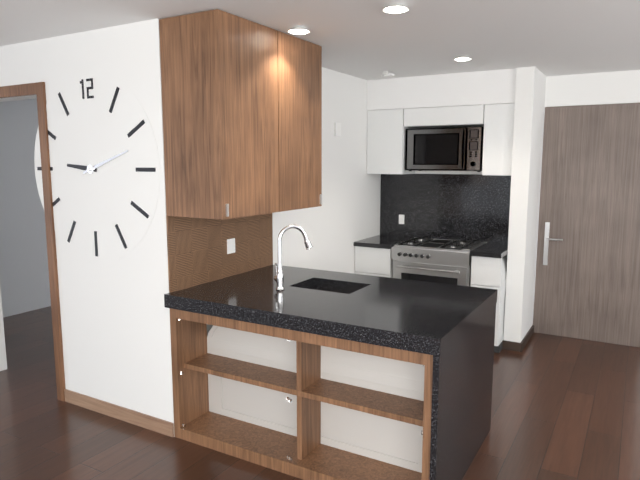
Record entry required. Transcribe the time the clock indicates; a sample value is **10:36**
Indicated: **9:12**
